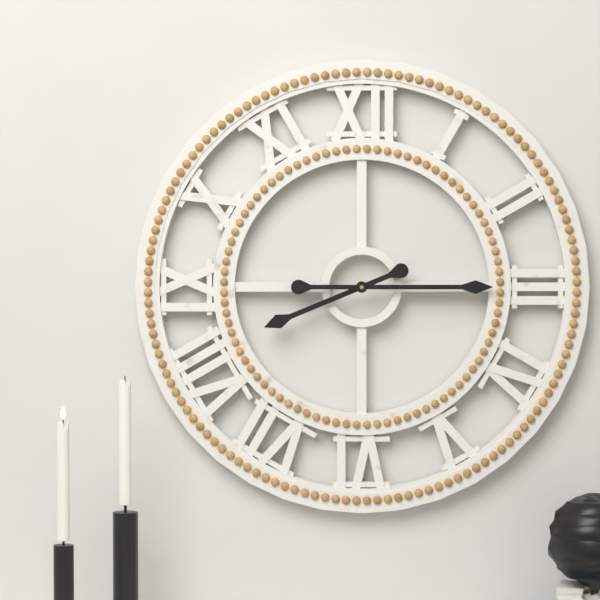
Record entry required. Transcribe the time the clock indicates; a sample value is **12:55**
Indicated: **8:15**
